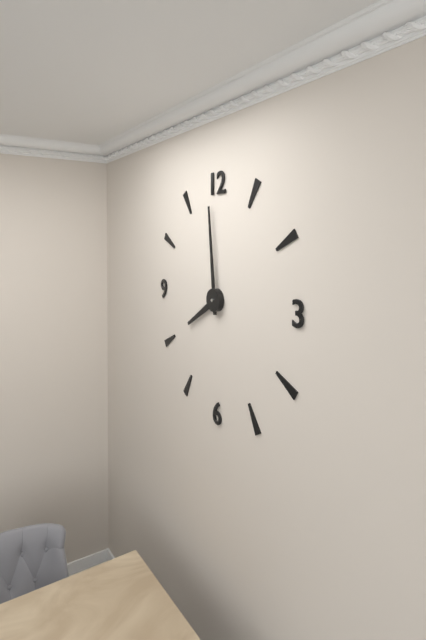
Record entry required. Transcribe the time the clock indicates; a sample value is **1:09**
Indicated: **7:59**
